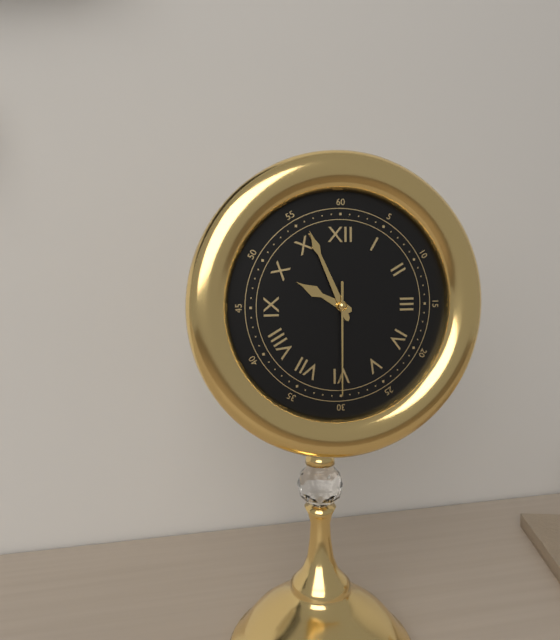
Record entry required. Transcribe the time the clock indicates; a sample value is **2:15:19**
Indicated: **9:56:30**
